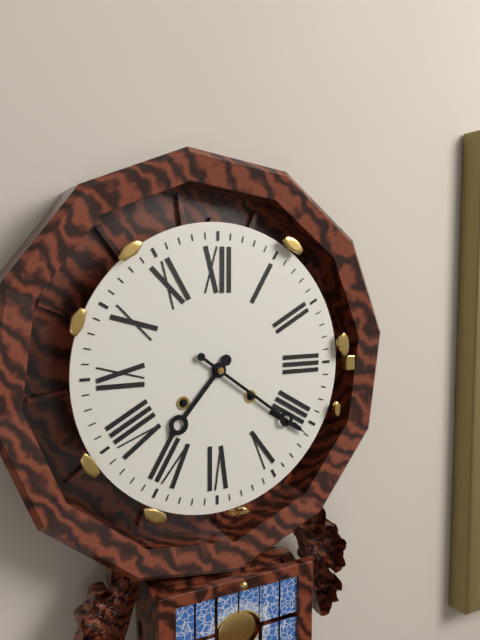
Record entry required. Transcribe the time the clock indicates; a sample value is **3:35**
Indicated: **7:21**
